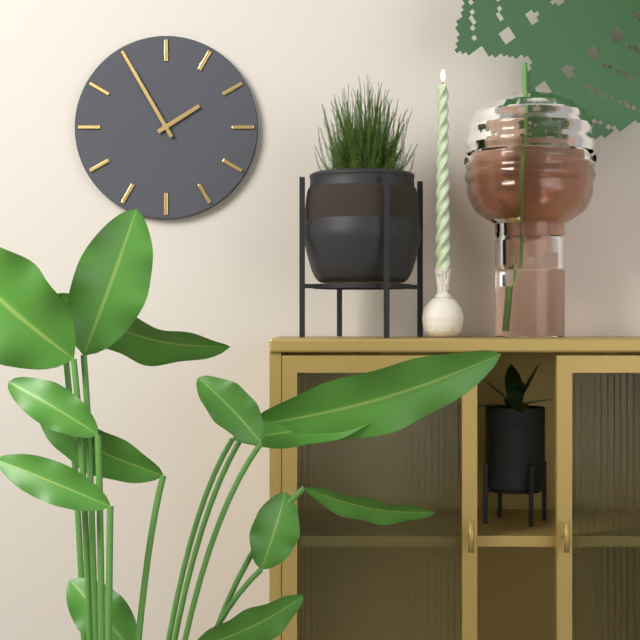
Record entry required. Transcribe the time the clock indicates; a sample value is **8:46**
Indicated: **1:55**
